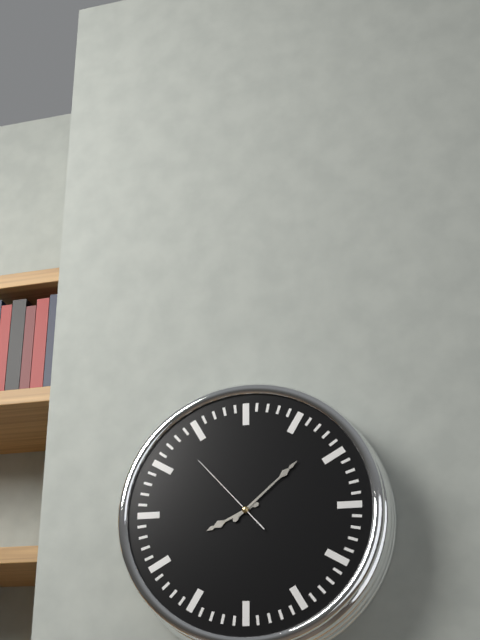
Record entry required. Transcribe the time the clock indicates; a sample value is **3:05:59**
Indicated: **8:08:53**
